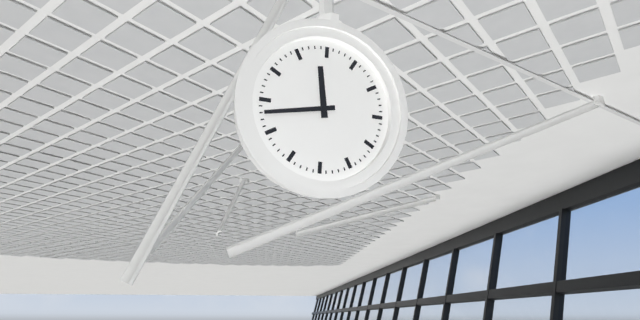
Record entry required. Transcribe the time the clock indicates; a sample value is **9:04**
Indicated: **11:43**
